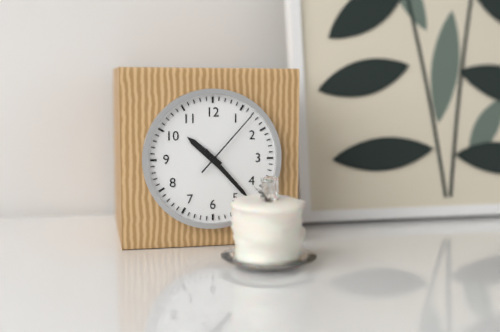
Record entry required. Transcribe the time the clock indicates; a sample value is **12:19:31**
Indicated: **10:23:07**
